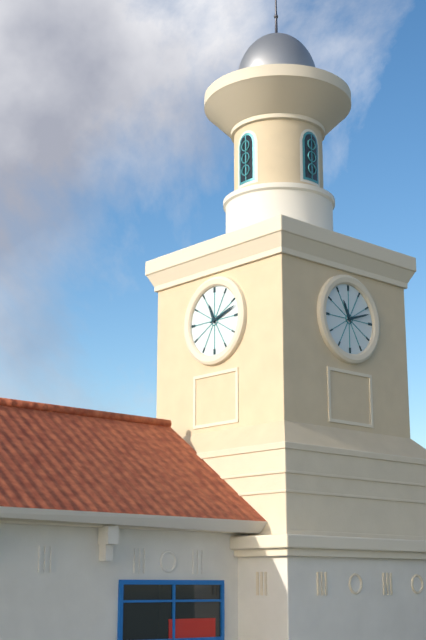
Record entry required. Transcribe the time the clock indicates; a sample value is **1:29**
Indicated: **11:12**
